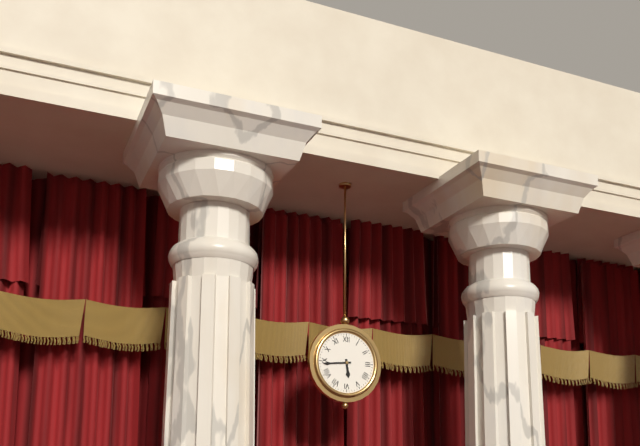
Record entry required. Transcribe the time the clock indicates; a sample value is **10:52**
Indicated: **5:44**
